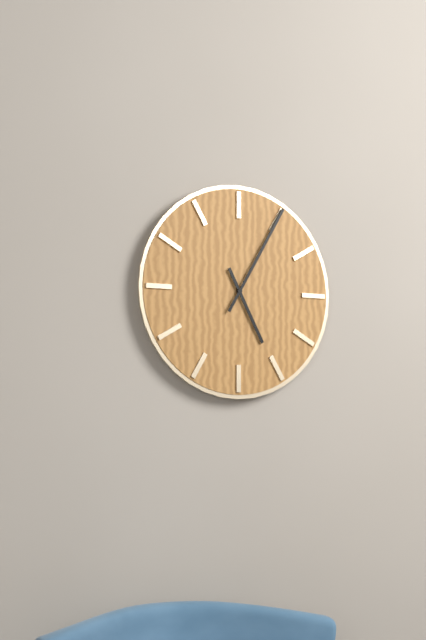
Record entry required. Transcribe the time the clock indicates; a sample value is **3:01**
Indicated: **5:05**
